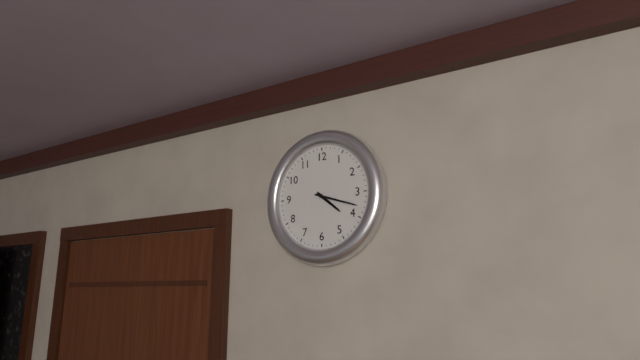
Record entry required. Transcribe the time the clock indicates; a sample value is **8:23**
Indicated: **4:18**
